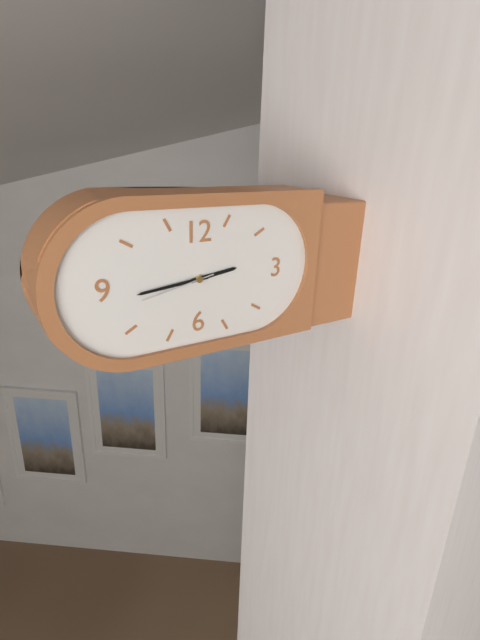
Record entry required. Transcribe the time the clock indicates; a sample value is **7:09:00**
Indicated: **2:44:43**
